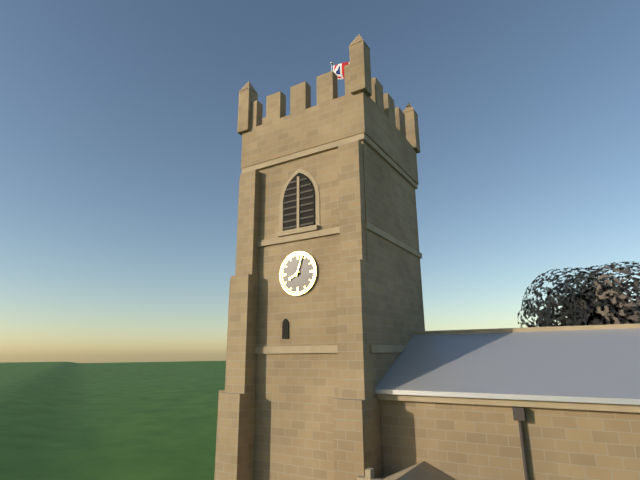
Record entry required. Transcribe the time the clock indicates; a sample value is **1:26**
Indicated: **8:03**
